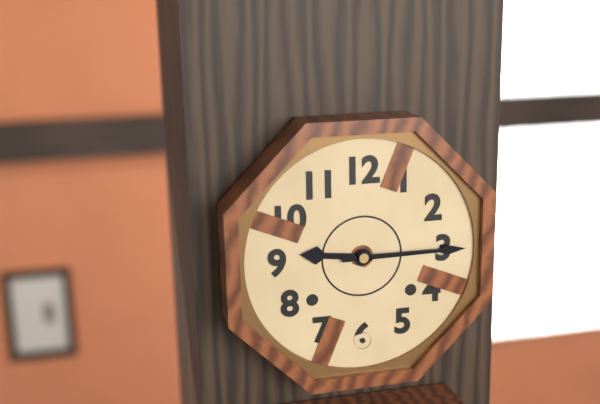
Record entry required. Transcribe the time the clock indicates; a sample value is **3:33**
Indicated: **9:15**
